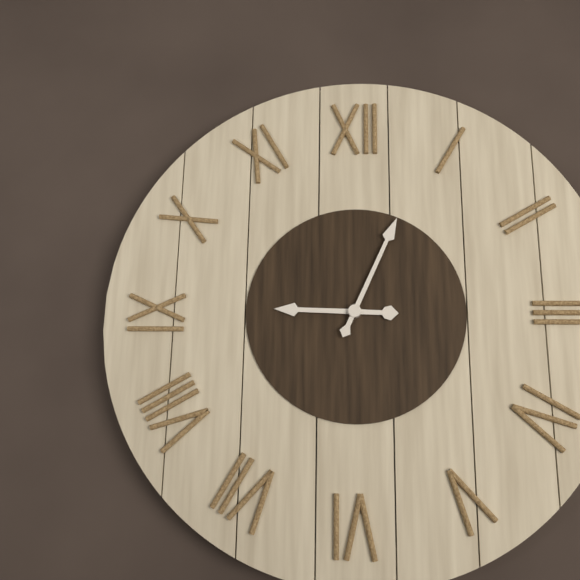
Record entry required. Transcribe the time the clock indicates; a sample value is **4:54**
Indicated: **9:04**
